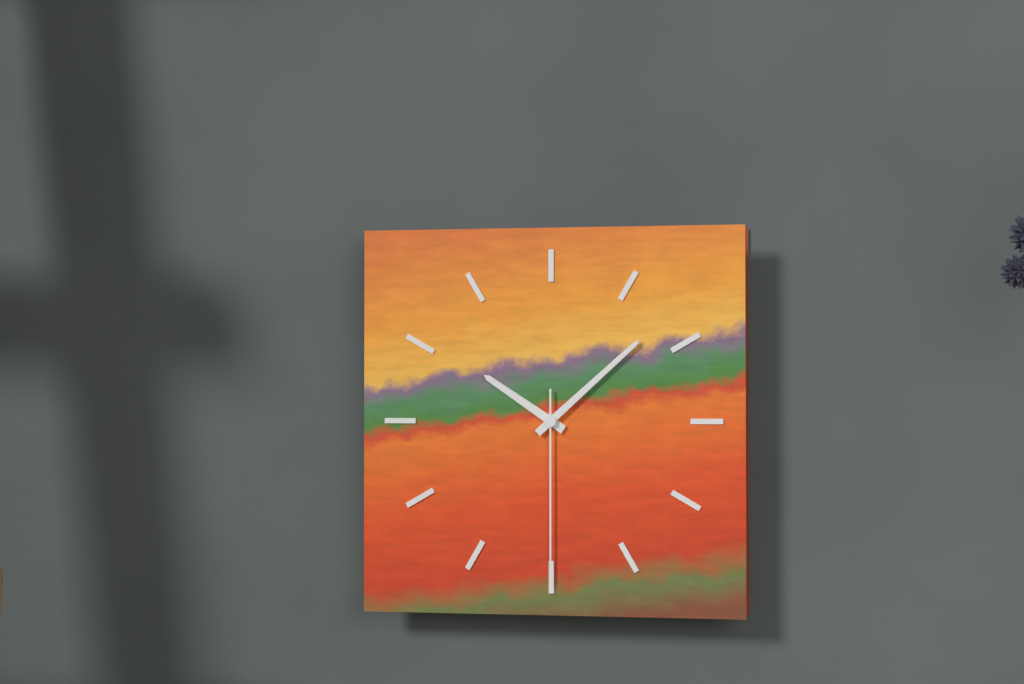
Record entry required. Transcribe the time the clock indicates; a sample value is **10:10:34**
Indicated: **10:08:30**
